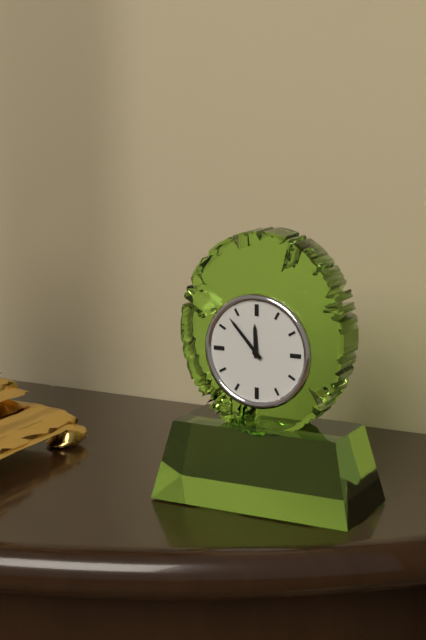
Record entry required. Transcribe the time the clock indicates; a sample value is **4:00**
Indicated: **11:53**
